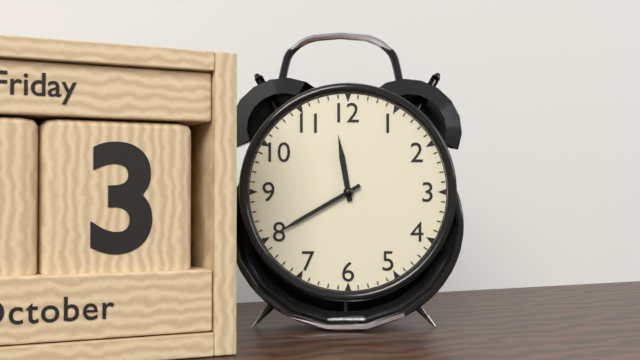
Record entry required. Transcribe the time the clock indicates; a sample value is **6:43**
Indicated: **11:40**
